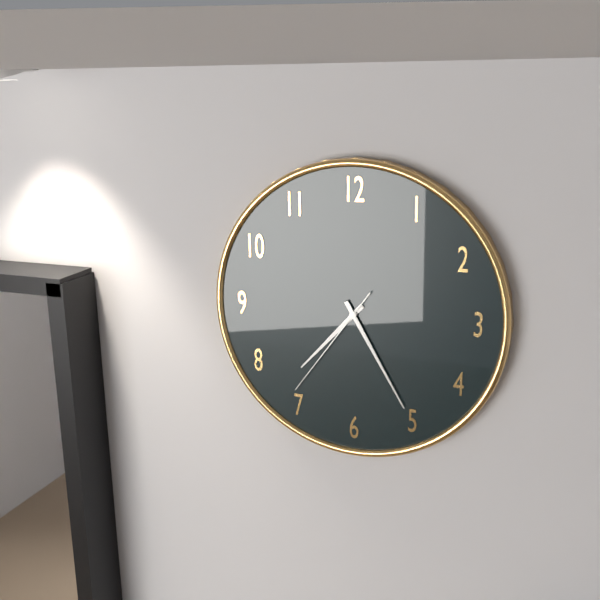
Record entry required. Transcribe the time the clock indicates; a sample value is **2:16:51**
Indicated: **7:25:36**
